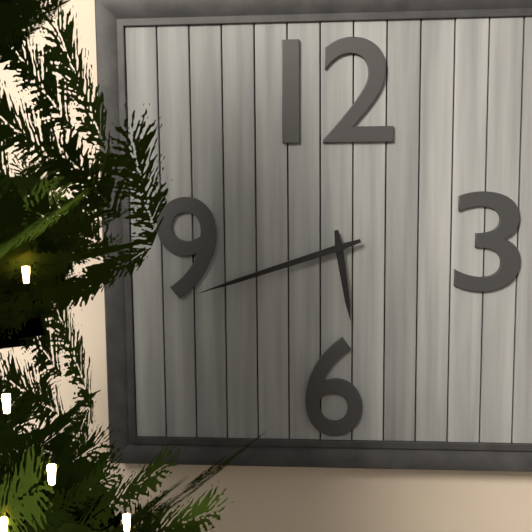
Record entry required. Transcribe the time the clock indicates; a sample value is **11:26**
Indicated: **5:42**
